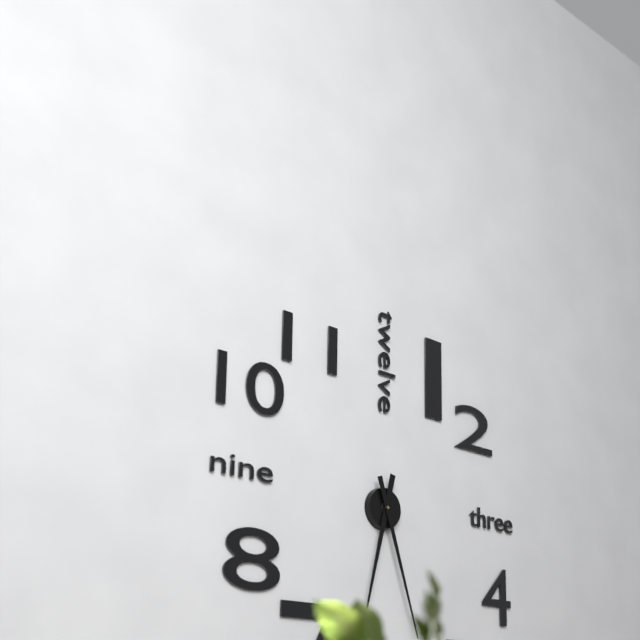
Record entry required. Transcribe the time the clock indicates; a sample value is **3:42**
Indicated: **6:27**
